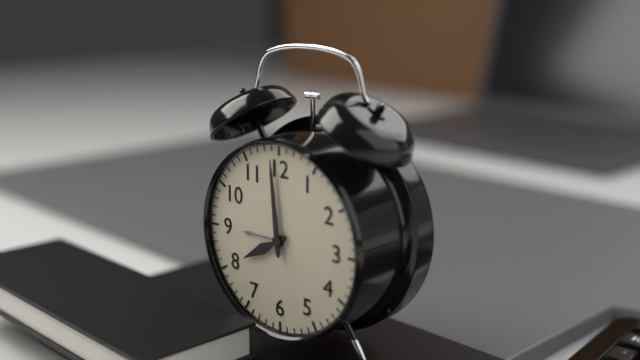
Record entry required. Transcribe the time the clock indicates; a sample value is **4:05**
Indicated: **7:59**
